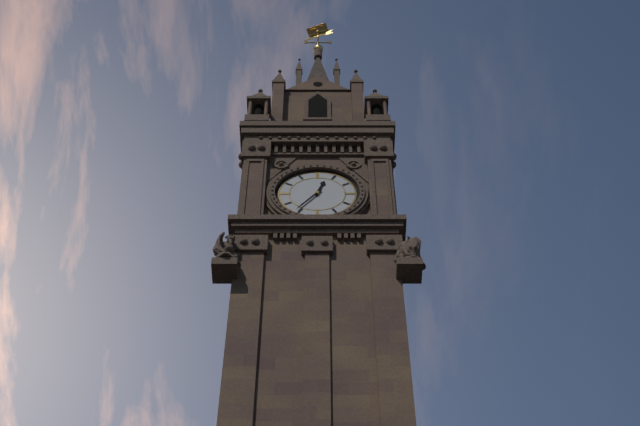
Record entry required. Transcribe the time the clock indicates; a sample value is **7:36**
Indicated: **12:36**
